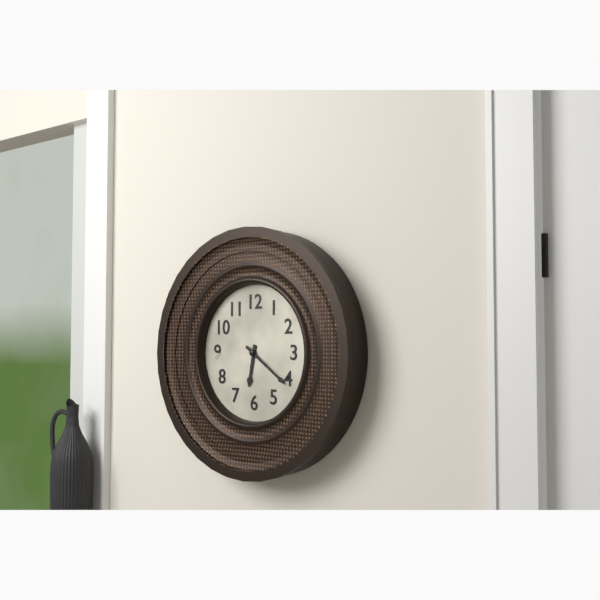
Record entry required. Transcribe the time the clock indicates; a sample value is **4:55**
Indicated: **6:21**
